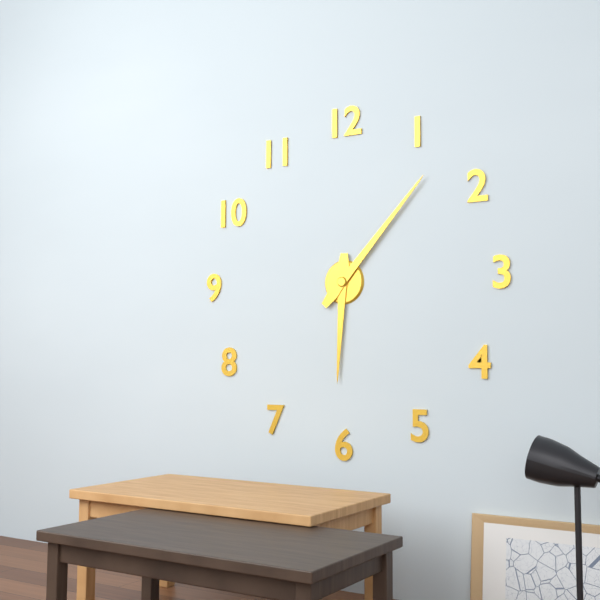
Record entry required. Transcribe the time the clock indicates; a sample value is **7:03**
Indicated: **6:07**
